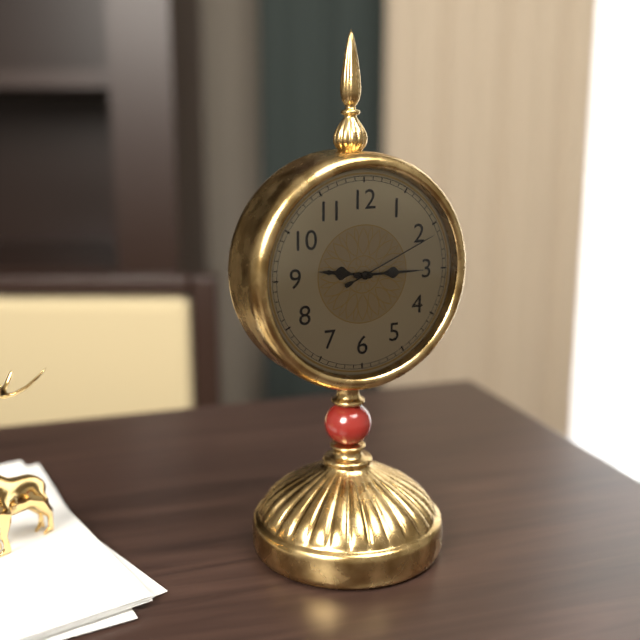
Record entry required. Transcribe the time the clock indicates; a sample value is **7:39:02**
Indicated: **9:15:11**
